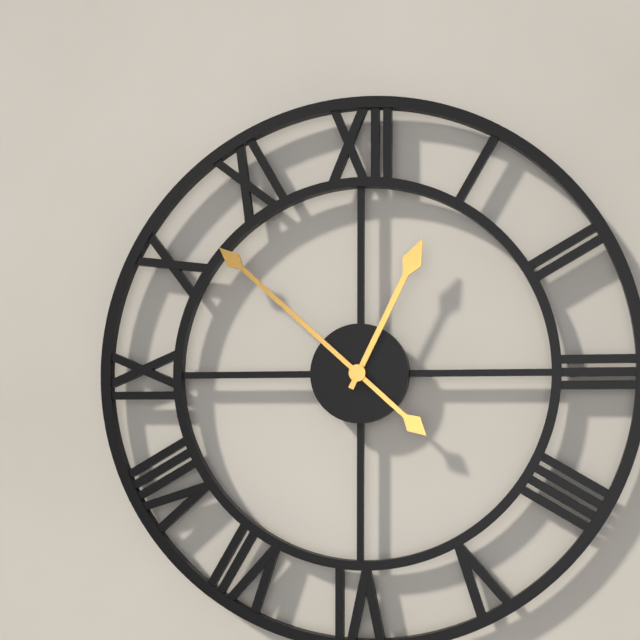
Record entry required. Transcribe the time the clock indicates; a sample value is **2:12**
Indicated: **12:52**
